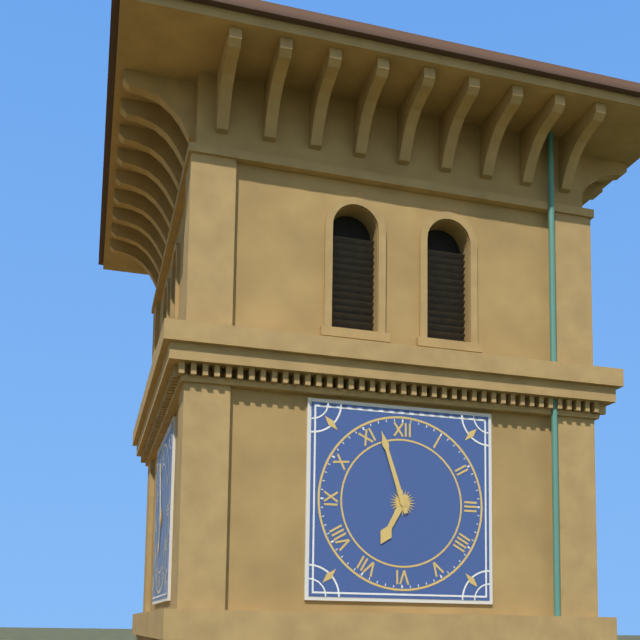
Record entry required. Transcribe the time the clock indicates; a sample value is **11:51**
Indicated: **6:57**
